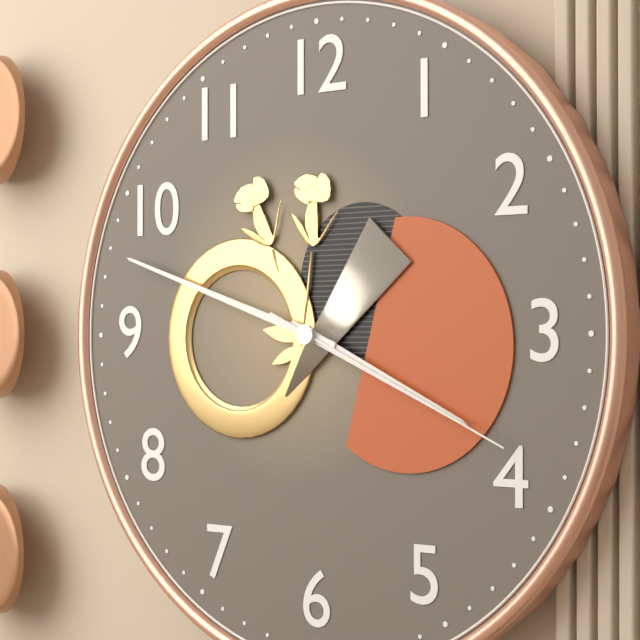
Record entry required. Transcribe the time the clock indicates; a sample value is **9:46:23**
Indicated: **3:48:19**
